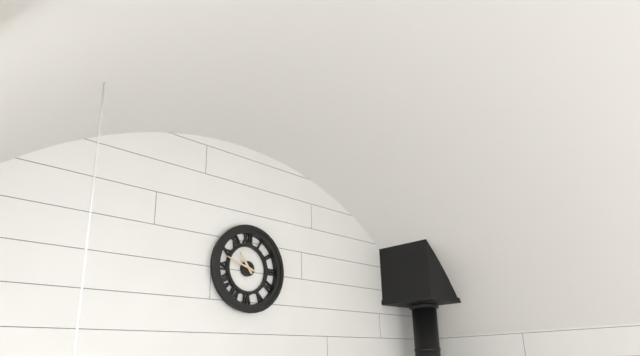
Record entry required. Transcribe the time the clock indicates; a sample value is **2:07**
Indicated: **10:48**
